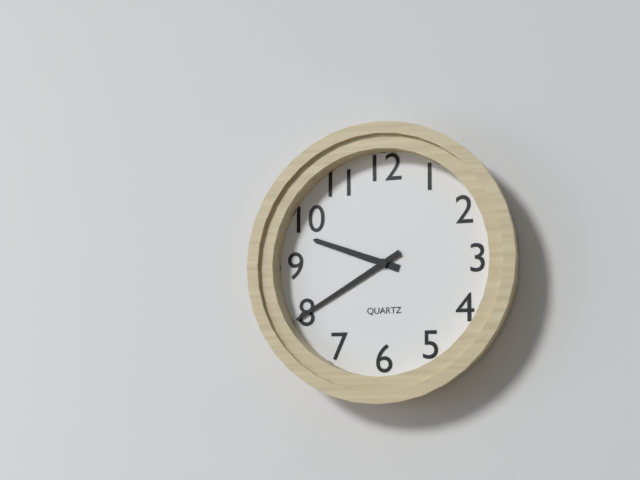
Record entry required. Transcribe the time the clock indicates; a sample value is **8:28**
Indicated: **9:40**
